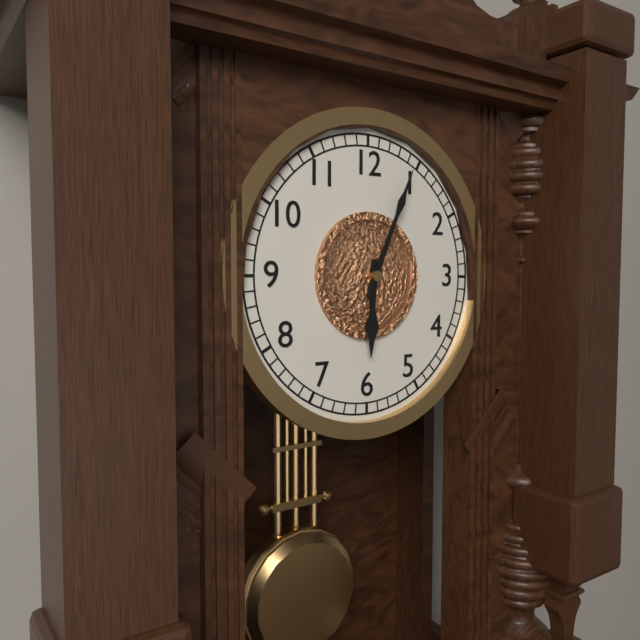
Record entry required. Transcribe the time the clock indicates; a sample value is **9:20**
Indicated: **6:04**
